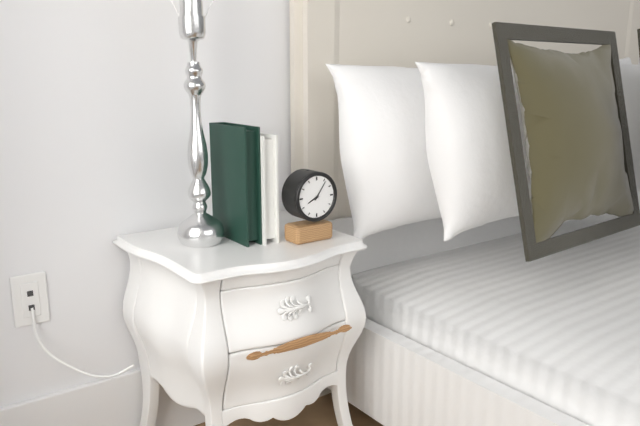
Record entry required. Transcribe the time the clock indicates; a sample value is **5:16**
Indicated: **8:06**
